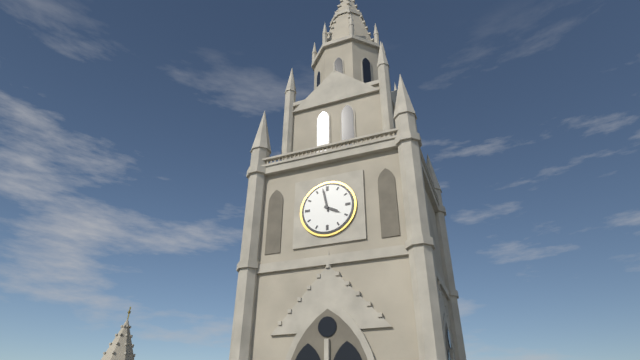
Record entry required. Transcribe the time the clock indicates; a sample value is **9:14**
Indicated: **3:58**
